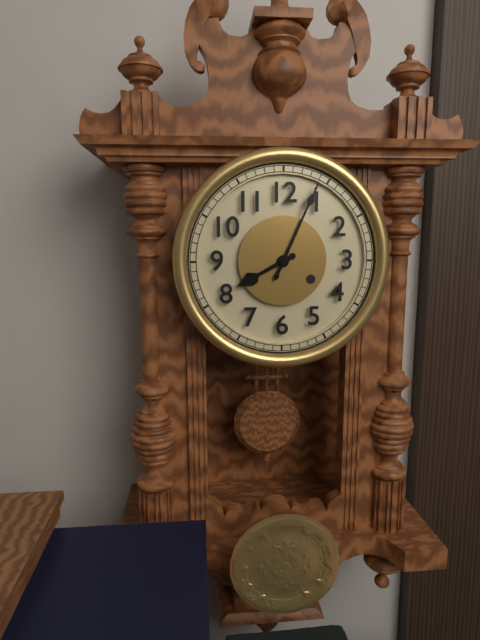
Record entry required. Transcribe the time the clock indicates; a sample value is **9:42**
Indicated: **8:04**
